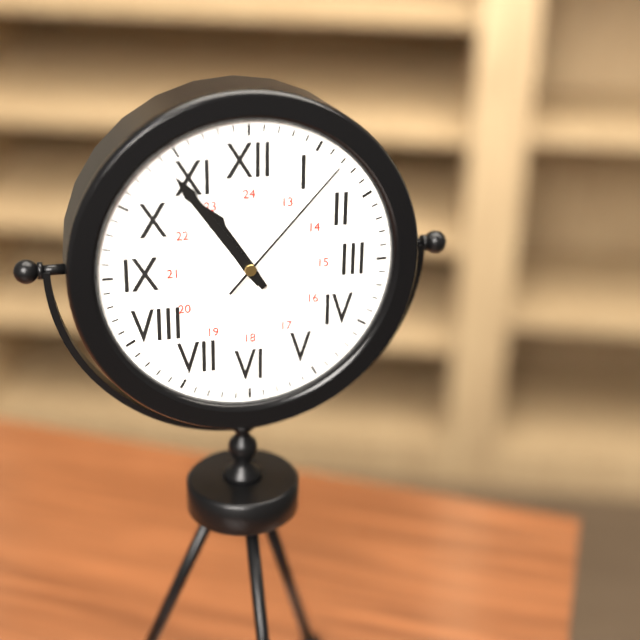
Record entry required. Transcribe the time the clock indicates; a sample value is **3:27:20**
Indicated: **10:54:07**
